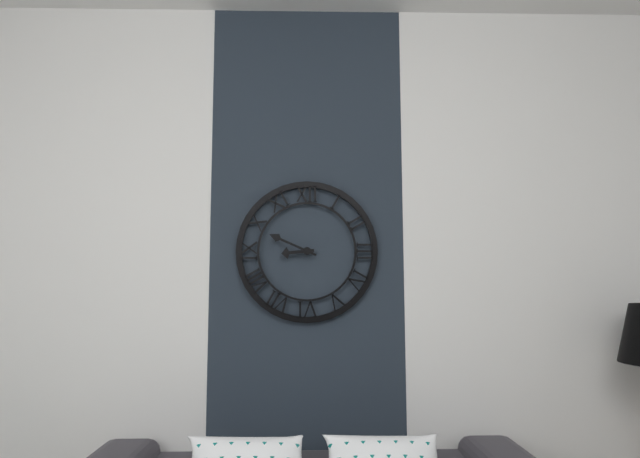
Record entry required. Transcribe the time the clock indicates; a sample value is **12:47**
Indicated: **8:49**
